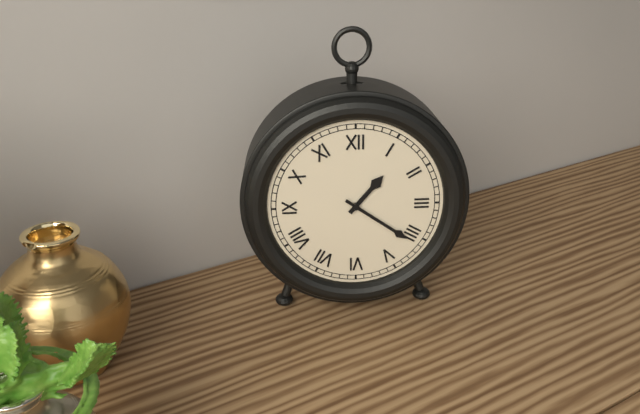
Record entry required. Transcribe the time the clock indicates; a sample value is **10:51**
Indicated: **1:21**
